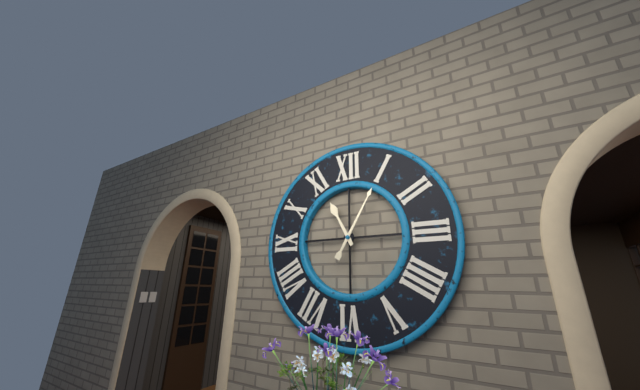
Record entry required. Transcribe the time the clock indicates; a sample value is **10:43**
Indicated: **11:05**
